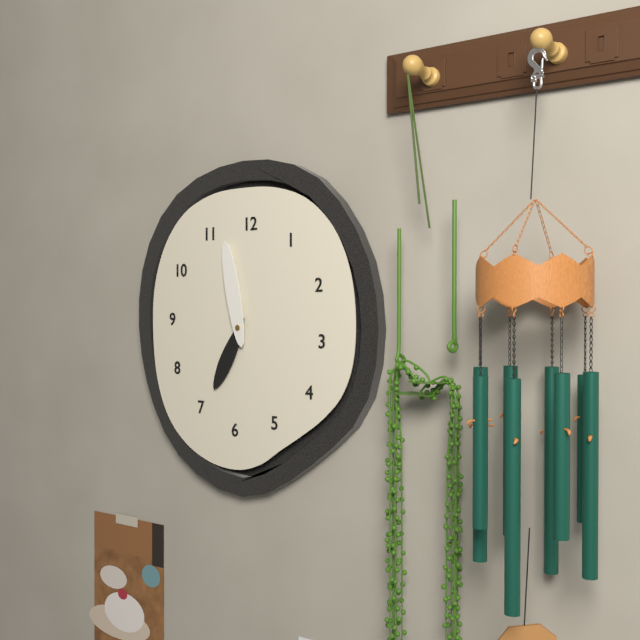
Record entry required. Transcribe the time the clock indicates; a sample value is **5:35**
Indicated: **6:58**
